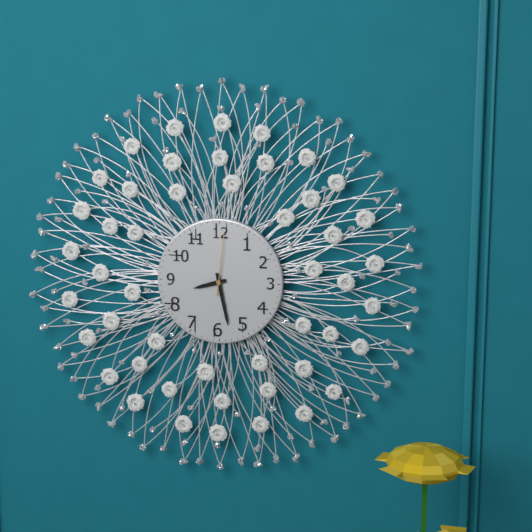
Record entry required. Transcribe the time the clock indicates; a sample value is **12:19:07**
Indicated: **8:28:01**
